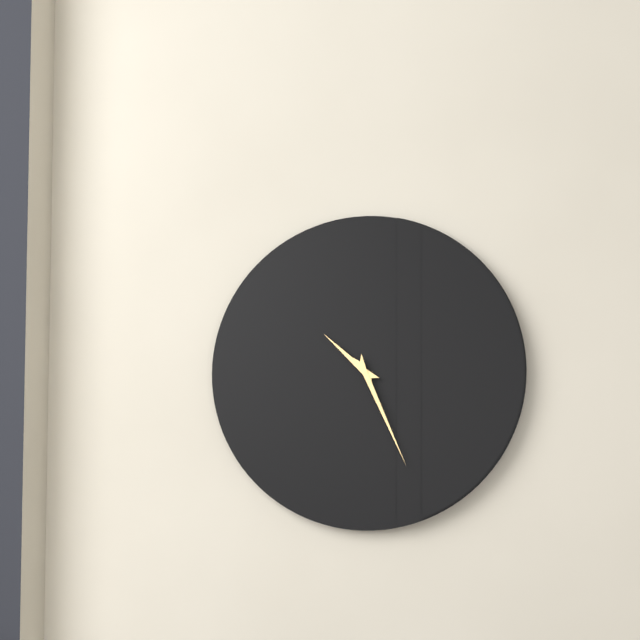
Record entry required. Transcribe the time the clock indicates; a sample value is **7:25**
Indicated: **10:26**
